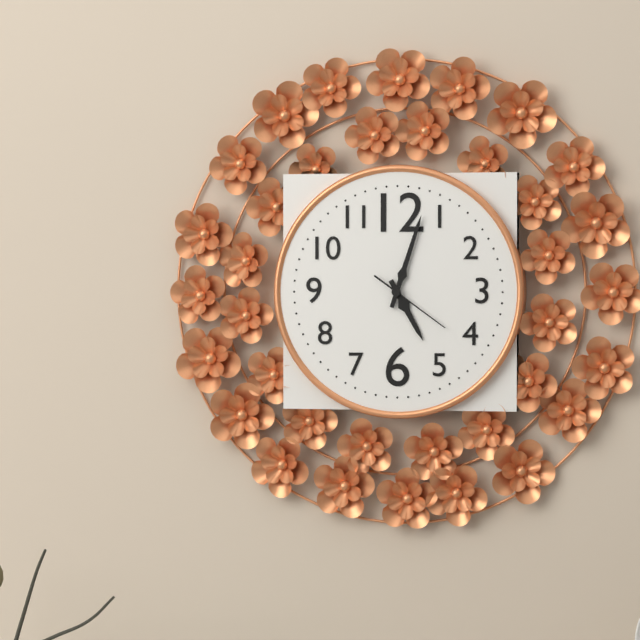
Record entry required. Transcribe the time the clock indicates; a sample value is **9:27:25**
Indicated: **5:03:21**
